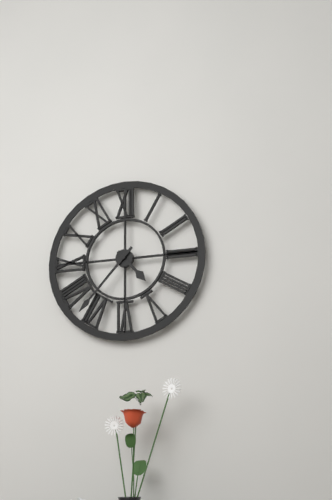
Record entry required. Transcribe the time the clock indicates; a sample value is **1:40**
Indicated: **4:37**
